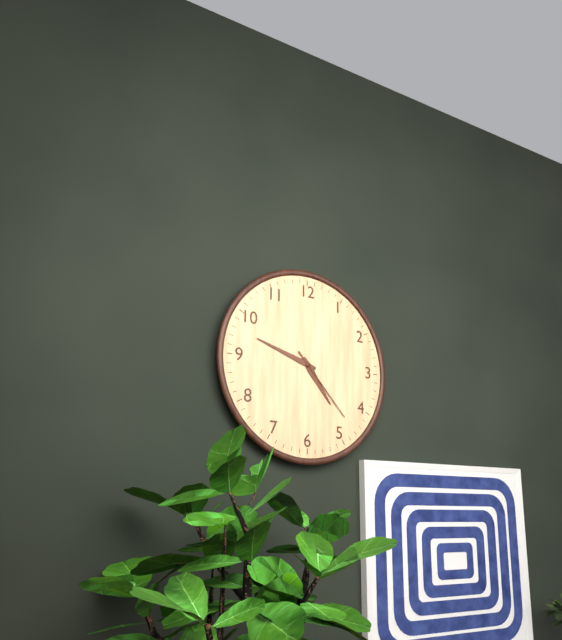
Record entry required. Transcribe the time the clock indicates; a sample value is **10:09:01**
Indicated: **4:48:23**
